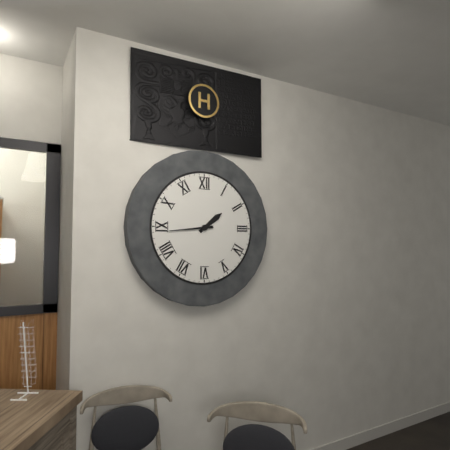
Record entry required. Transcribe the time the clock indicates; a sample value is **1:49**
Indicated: **1:44**
